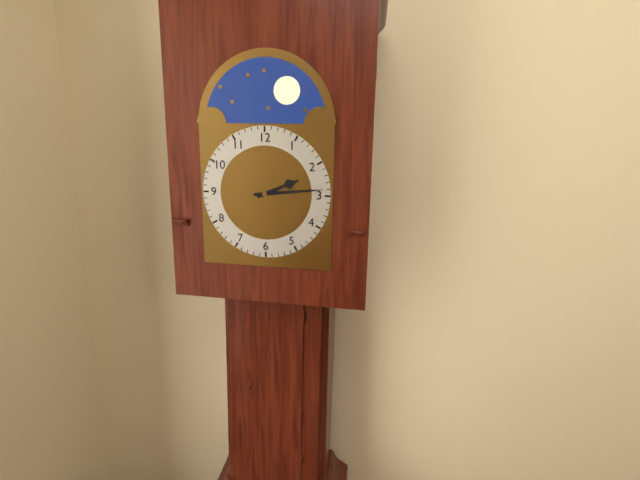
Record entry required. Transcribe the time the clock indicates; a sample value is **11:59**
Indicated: **2:14**
